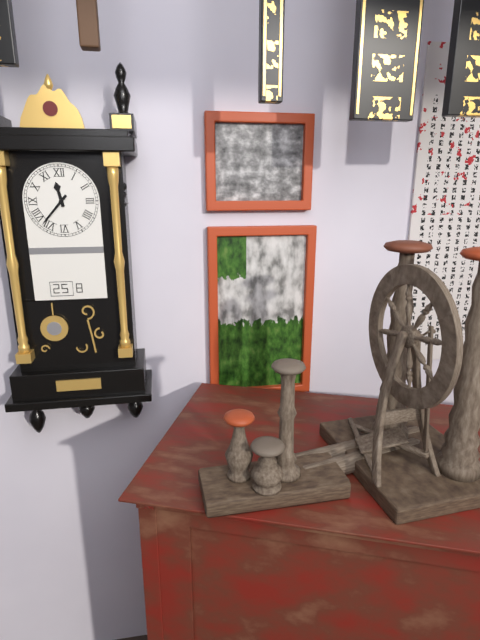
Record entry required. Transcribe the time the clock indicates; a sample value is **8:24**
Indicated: **11:37**
